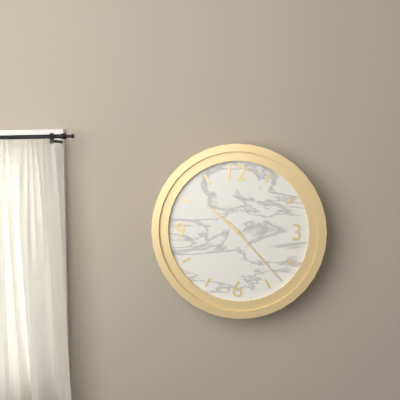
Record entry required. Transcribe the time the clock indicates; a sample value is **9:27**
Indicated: **10:23**
